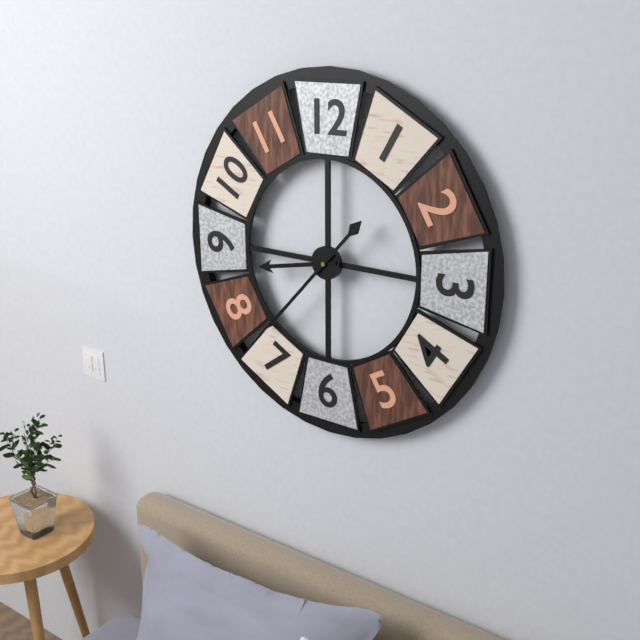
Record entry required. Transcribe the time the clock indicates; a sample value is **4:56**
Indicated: **8:37**
